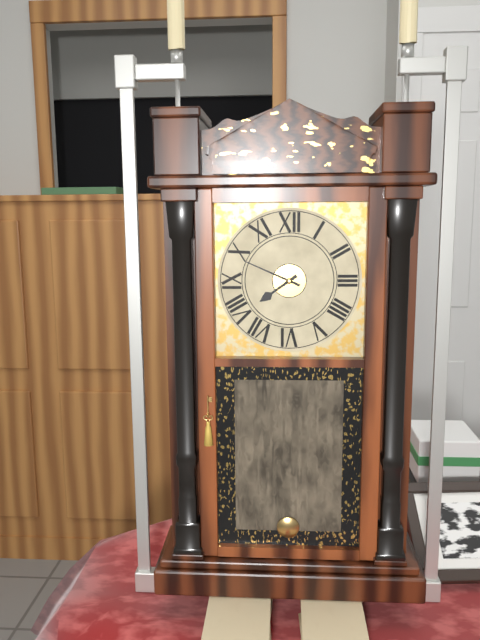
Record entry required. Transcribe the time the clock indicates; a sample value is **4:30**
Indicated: **7:49**
